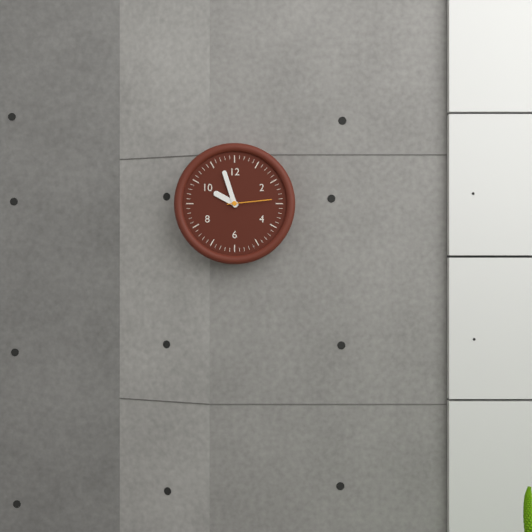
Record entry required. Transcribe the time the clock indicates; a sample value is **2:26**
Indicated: **9:57**
